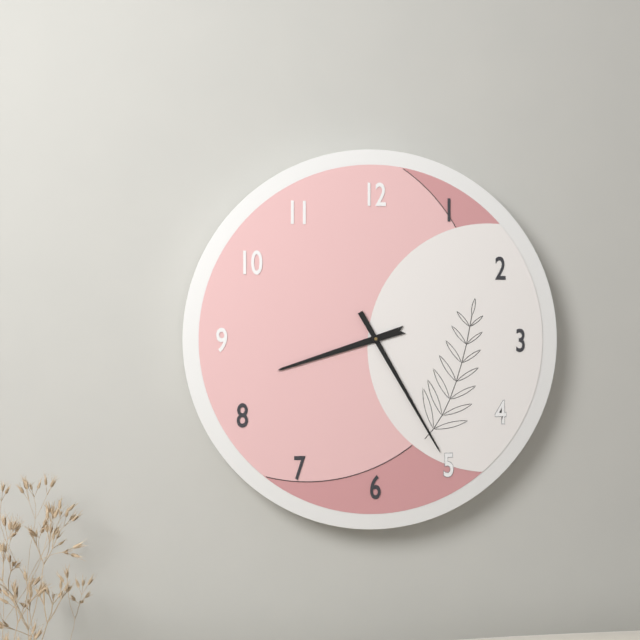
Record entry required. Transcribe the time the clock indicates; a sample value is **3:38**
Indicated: **8:25**
